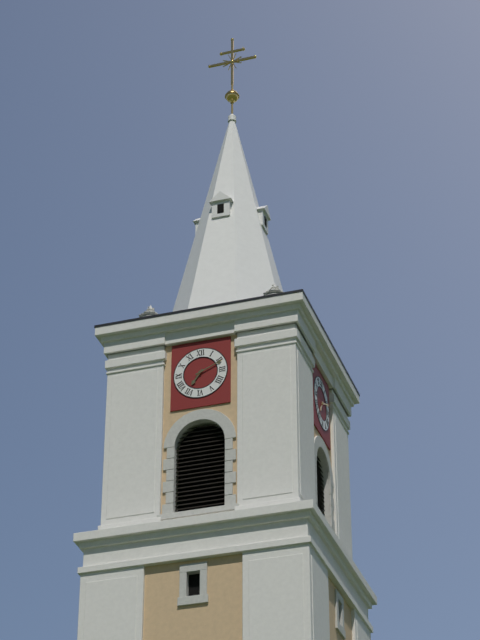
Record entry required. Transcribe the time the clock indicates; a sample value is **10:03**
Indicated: **7:11**
